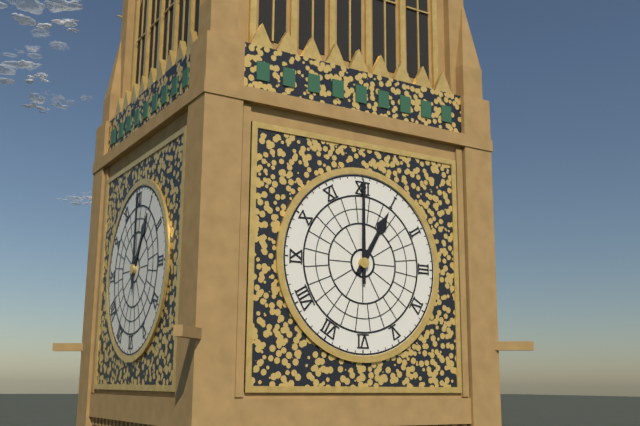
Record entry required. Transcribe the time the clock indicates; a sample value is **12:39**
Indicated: **1:00**
